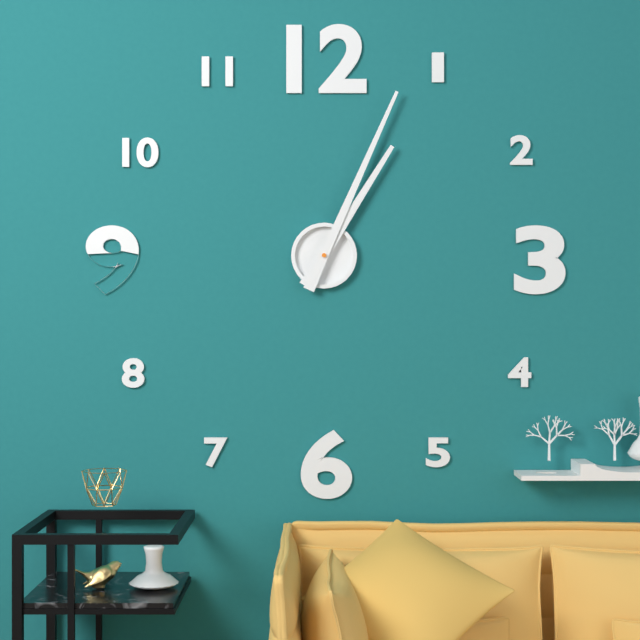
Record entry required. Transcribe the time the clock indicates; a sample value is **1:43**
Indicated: **1:04**
